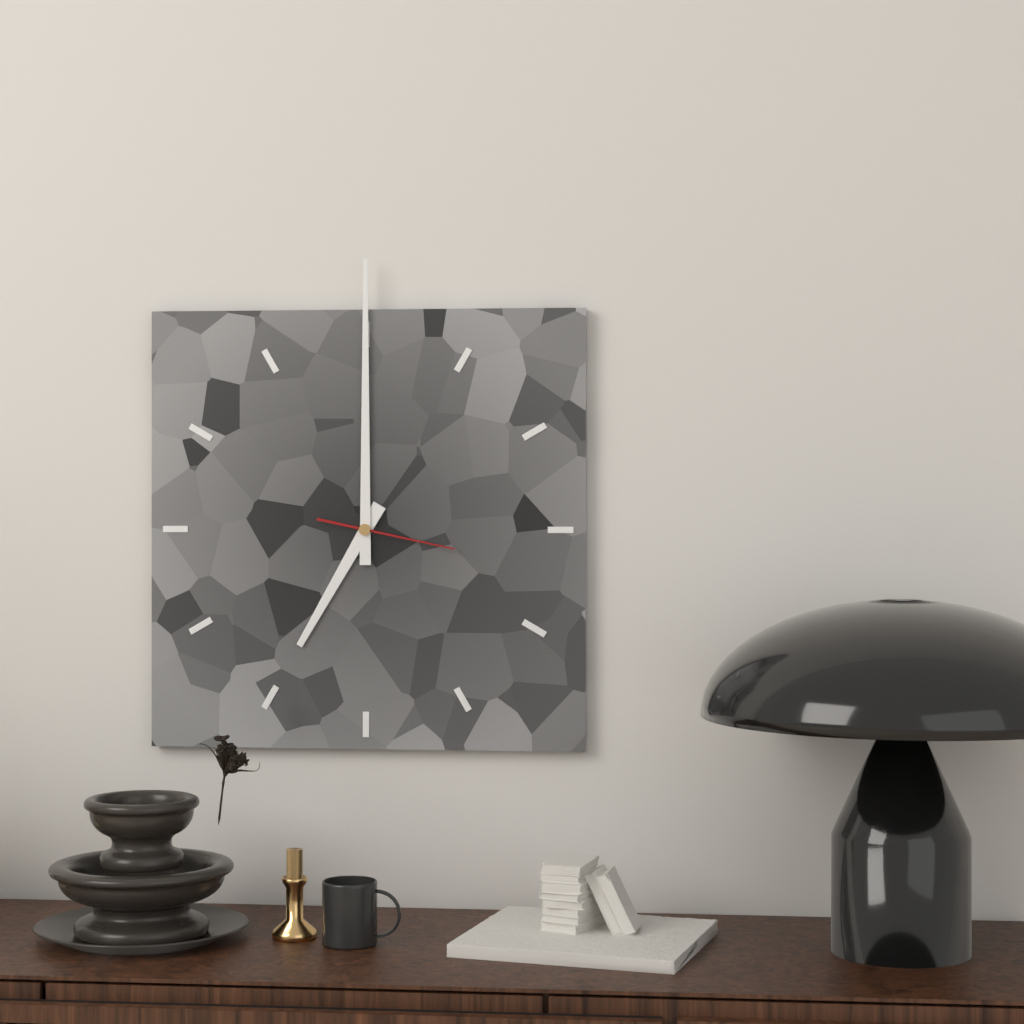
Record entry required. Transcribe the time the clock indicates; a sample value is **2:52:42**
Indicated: **7:00:17**
